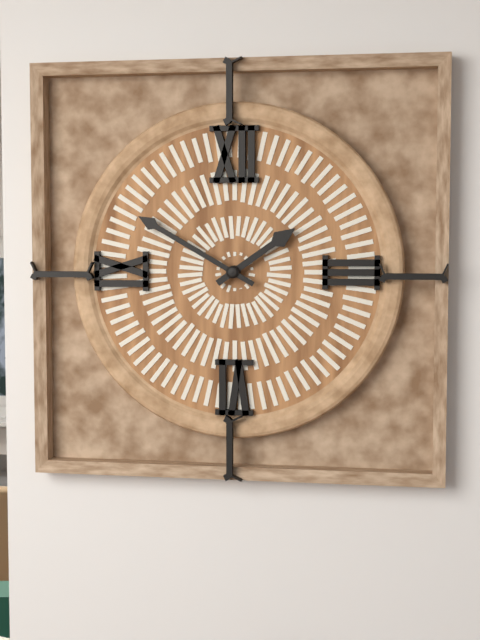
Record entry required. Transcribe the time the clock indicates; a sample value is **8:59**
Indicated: **1:50**
